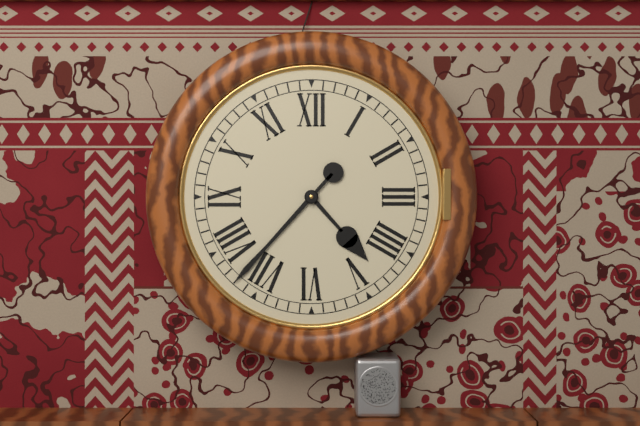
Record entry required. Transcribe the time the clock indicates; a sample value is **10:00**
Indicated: **4:37**
